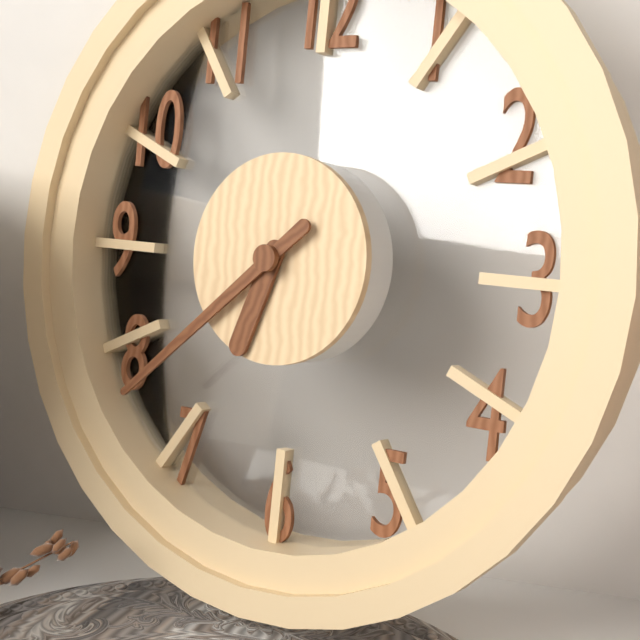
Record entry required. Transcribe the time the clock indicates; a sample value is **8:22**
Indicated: **6:38**
